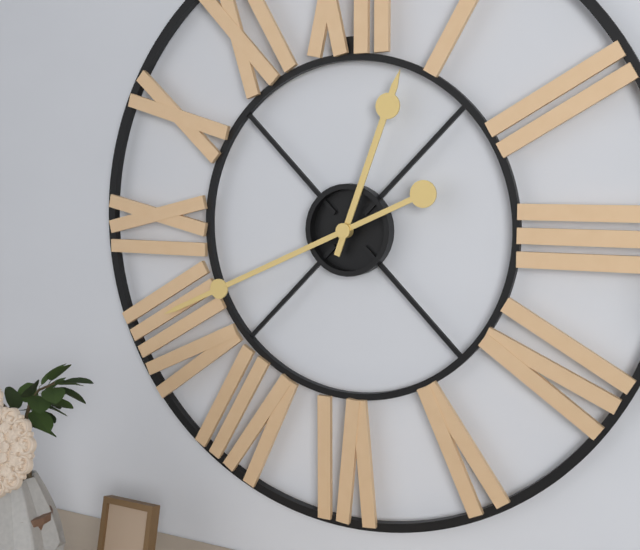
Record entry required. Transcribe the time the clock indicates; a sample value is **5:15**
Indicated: **12:41**
